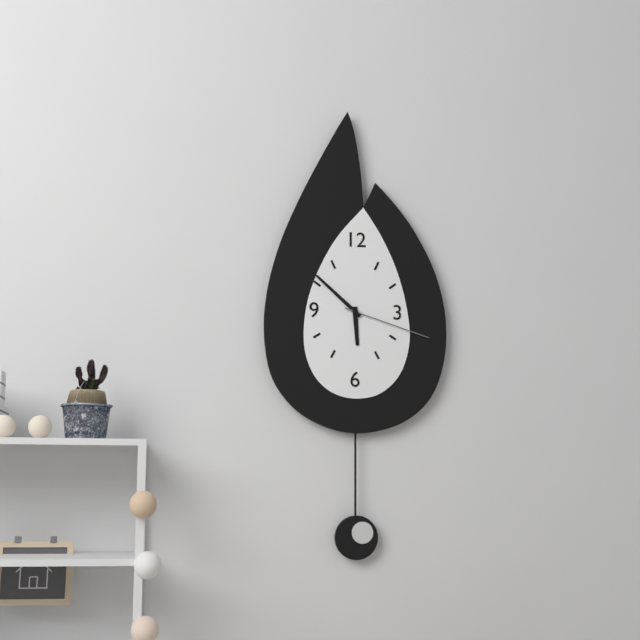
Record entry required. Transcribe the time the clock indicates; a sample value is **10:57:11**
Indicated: **5:52:18**
